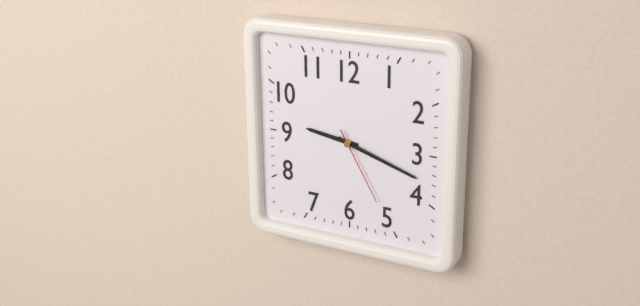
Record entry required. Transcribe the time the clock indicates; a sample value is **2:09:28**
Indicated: **9:18:25**
